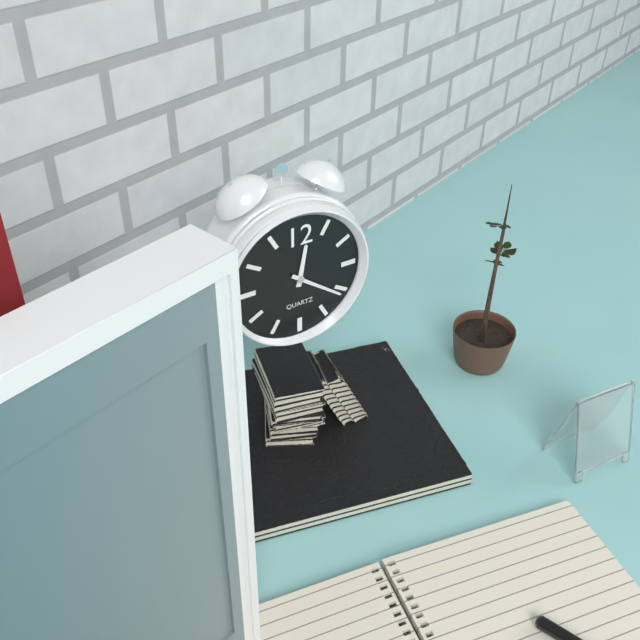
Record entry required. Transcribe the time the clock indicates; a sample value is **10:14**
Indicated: **12:21**
